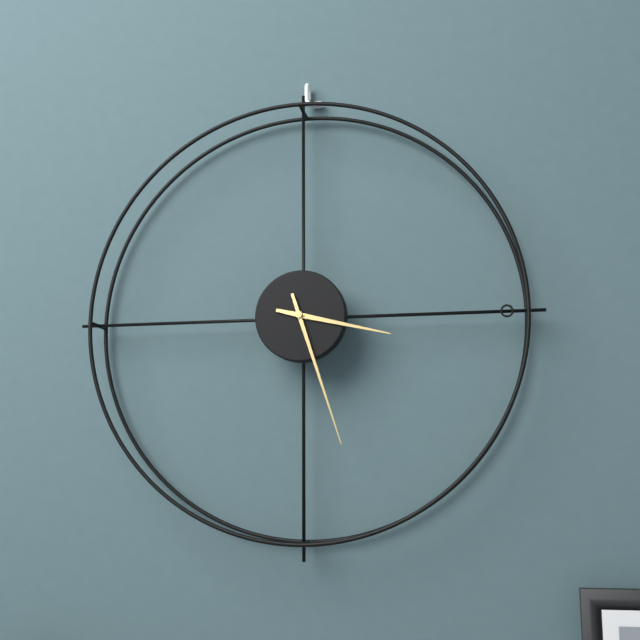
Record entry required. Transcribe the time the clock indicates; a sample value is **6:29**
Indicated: **3:27**
